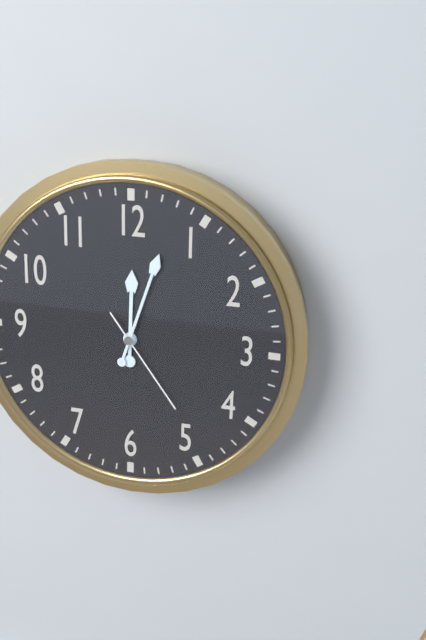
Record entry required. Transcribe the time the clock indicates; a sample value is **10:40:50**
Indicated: **12:03:24**
